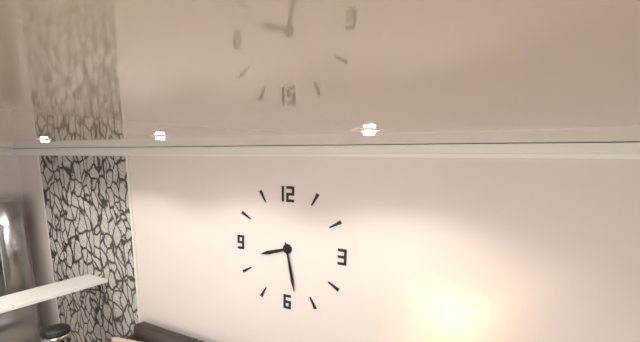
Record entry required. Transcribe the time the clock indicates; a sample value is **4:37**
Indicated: **8:28**
